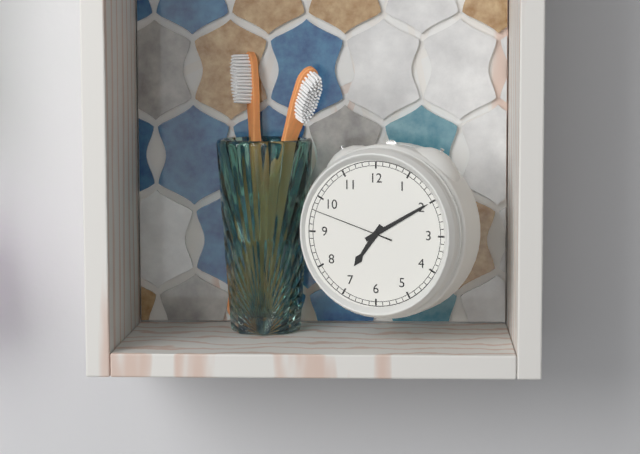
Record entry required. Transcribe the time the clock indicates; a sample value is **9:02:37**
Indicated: **7:10:48**
